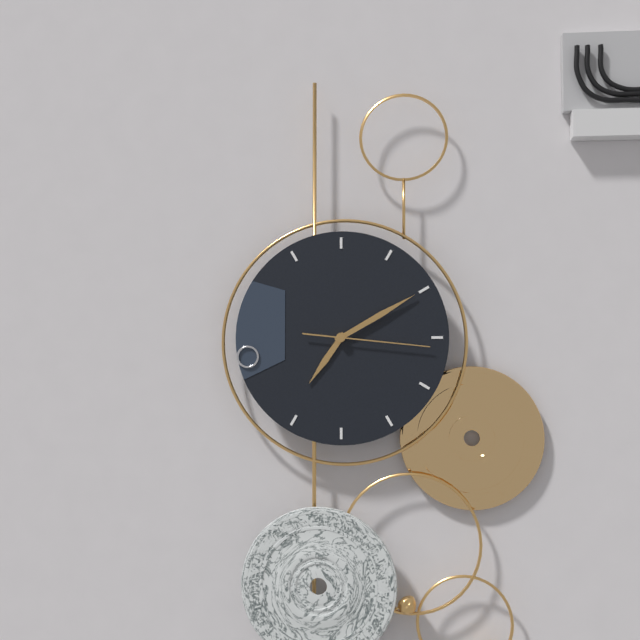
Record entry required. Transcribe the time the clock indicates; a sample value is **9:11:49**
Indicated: **7:10:16**
